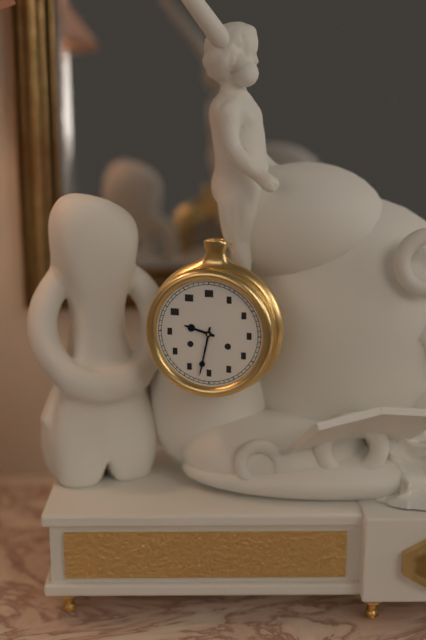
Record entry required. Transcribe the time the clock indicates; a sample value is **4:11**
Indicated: **9:32**
